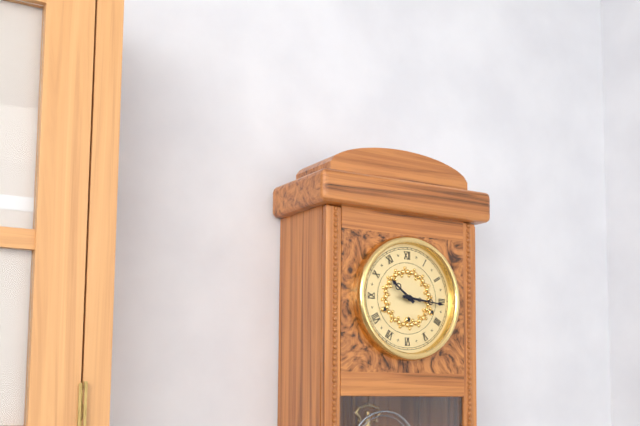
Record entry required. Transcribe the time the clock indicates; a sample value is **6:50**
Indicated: **10:16**
